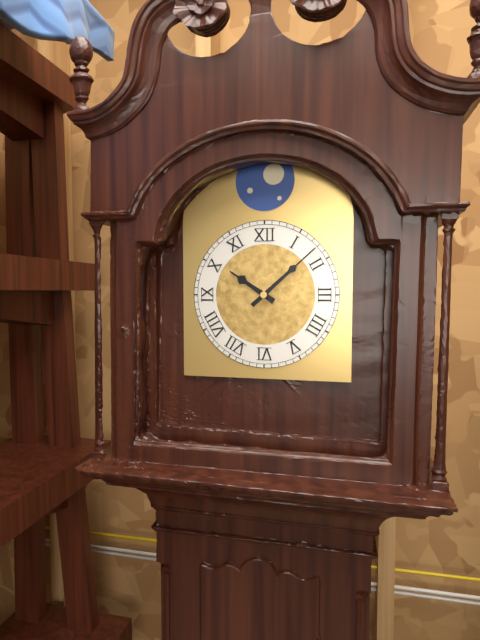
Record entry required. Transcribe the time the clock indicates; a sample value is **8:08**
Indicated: **10:08**
